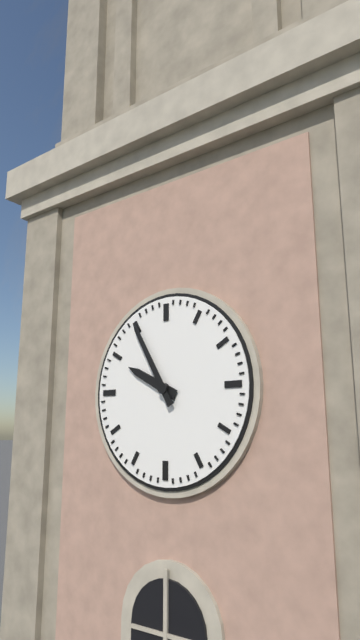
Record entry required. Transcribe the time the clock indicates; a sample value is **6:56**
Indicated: **9:55**
